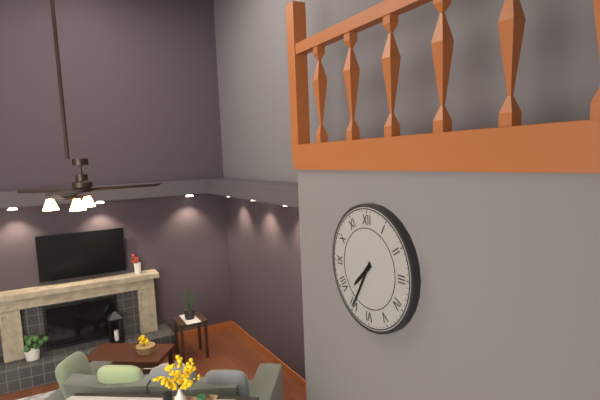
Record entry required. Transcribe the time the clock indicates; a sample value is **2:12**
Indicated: **7:35**
